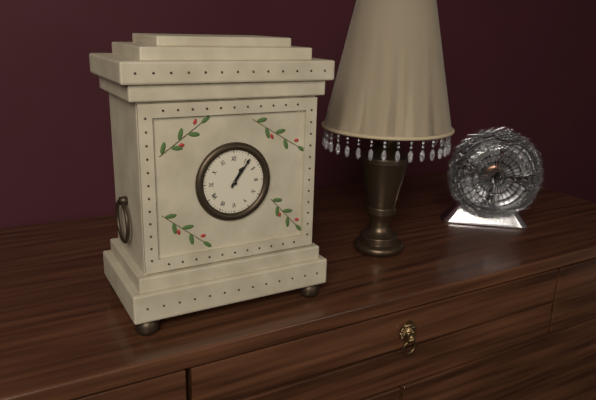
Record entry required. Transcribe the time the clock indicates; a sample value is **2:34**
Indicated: **1:06**
